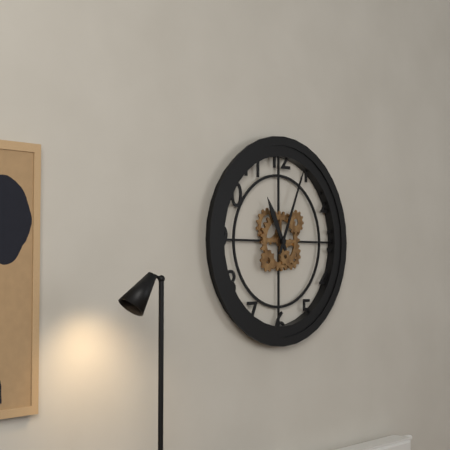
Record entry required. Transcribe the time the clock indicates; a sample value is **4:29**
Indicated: **11:04**
